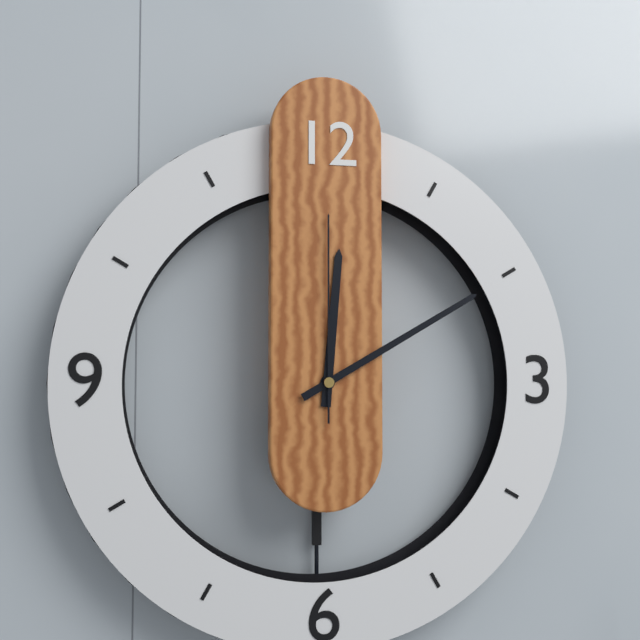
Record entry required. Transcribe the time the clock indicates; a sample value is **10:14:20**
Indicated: **12:10:00**
